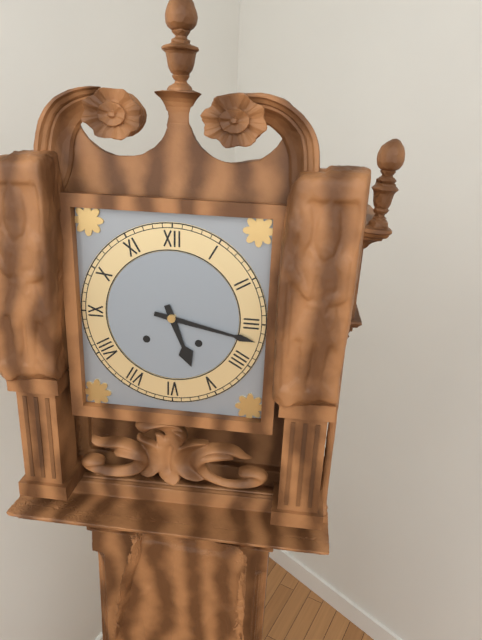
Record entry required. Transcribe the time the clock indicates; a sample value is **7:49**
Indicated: **5:17**
